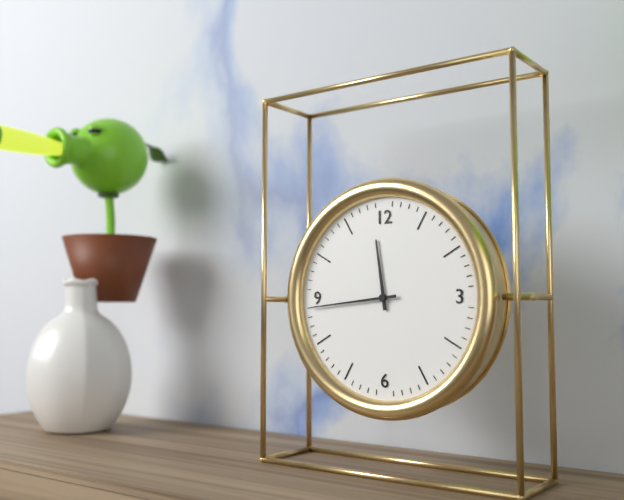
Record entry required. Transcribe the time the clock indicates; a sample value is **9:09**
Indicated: **11:44**
